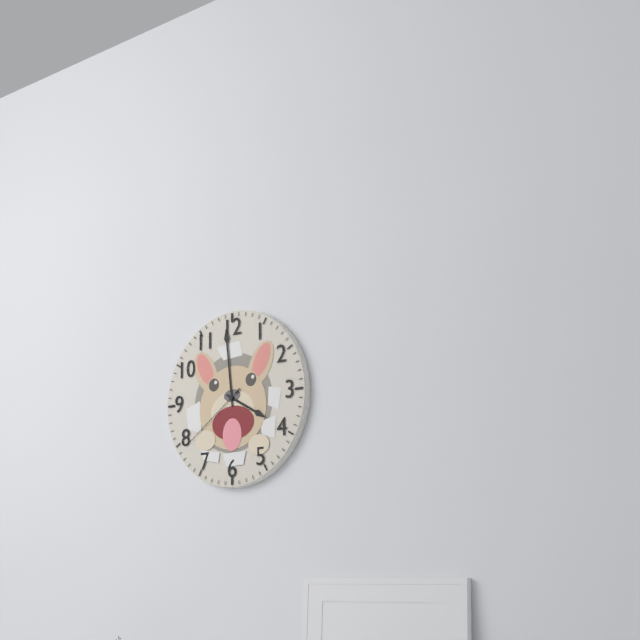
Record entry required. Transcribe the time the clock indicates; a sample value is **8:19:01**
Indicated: **3:59:39**
